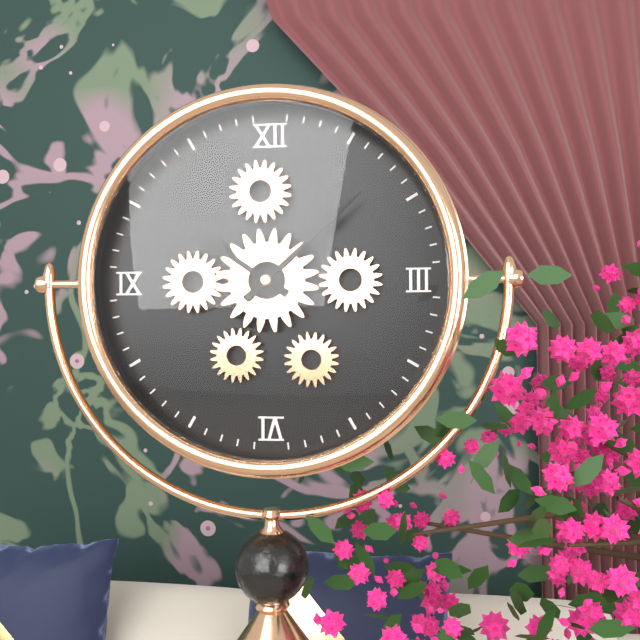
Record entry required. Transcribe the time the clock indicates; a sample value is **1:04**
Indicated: **10:08**
